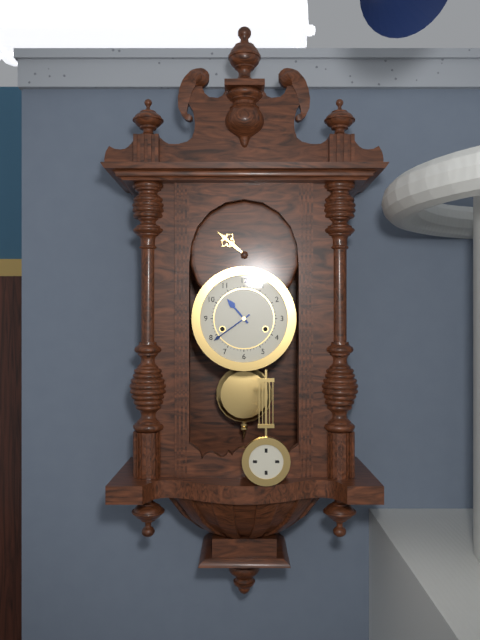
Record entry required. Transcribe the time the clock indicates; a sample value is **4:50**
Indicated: **10:39**
